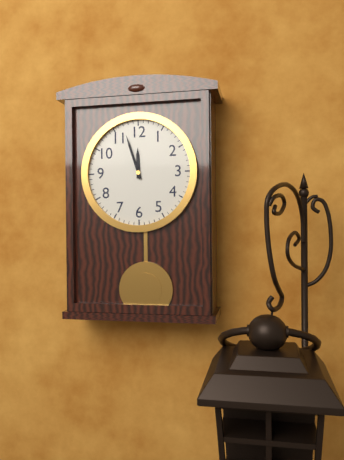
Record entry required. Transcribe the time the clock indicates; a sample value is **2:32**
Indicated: **11:57**
